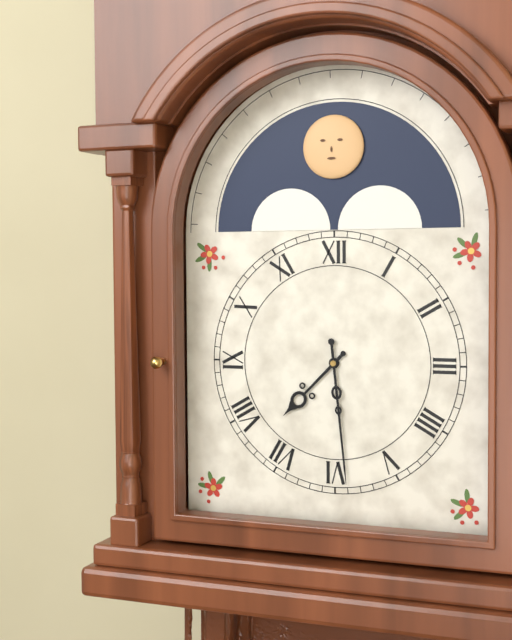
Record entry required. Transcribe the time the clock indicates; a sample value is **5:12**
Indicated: **7:29**
